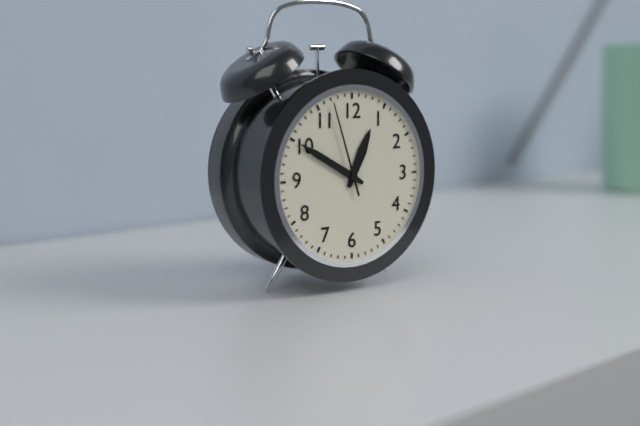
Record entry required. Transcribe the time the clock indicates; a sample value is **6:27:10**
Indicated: **12:50:57**
